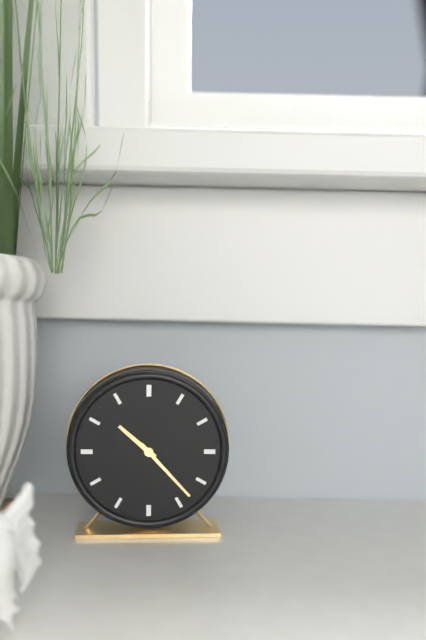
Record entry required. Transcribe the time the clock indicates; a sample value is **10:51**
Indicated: **10:23**
